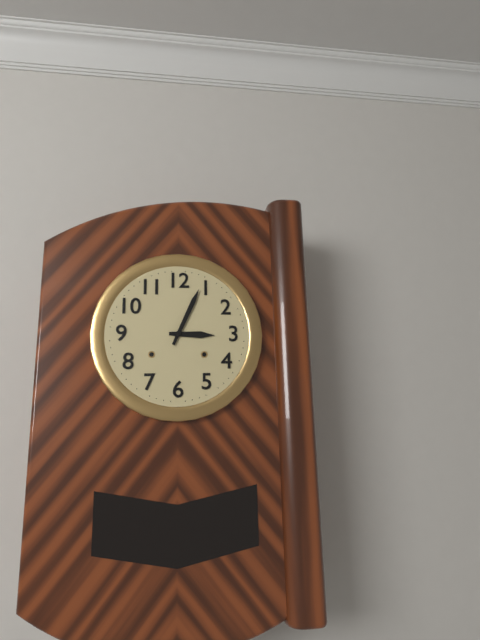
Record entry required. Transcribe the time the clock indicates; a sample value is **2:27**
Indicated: **3:04**
